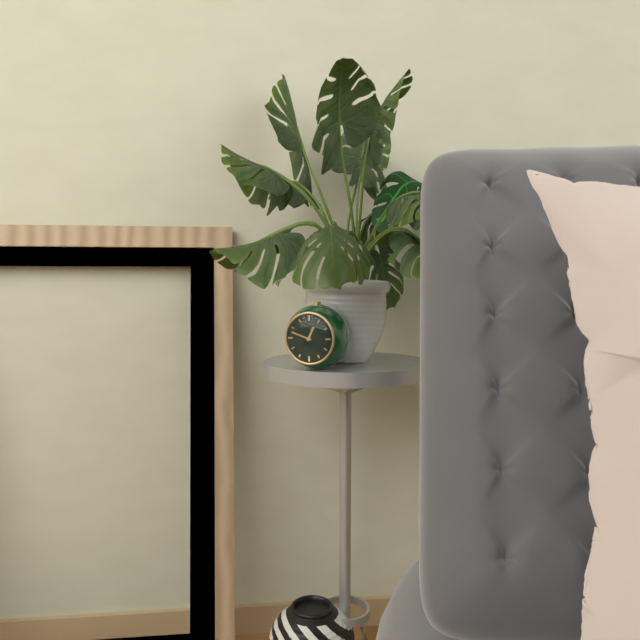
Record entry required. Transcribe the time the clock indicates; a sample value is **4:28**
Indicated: **12:48**
